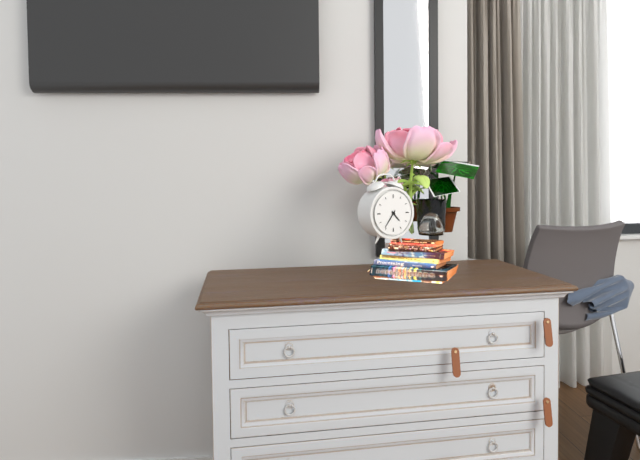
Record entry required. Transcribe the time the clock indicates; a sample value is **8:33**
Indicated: **4:36**
